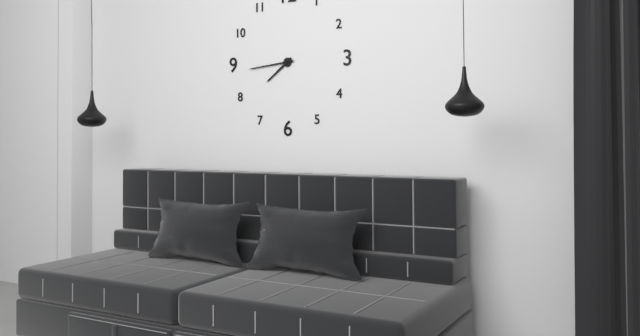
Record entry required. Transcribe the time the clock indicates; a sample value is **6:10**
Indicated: **7:44**
